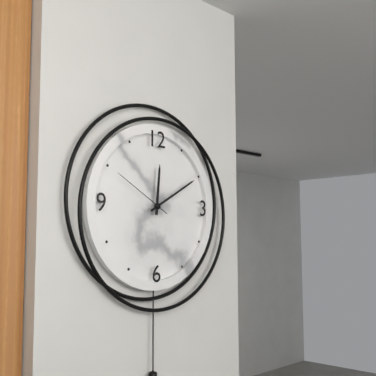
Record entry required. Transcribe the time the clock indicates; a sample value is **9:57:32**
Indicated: **12:10:50**
